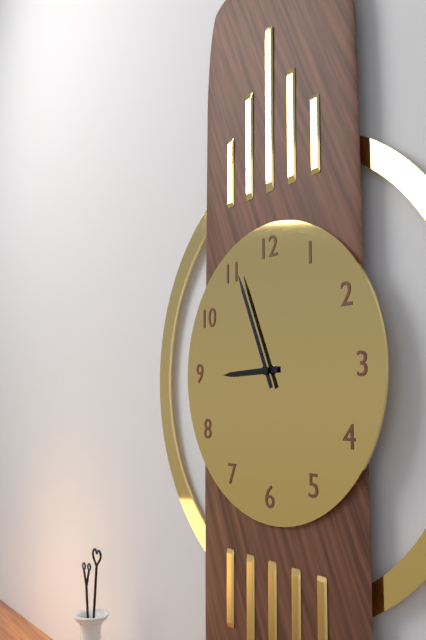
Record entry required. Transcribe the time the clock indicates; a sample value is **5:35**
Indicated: **8:56**
